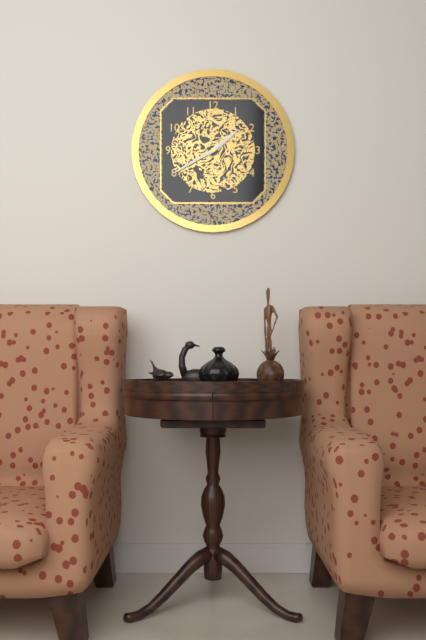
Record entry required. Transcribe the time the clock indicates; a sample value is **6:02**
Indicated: **1:40**
